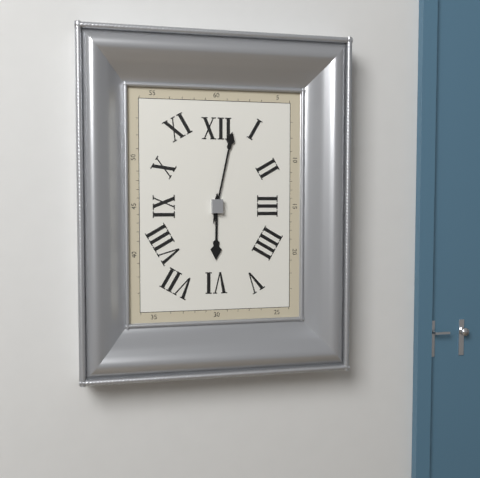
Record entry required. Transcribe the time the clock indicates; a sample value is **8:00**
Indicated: **6:02**
